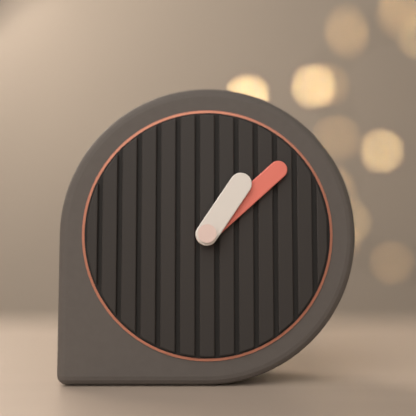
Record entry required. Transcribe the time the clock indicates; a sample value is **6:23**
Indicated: **1:08**
